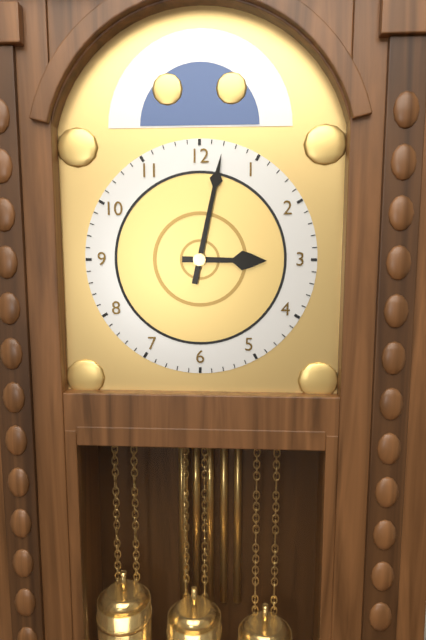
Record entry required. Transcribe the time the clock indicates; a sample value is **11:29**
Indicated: **3:02**
